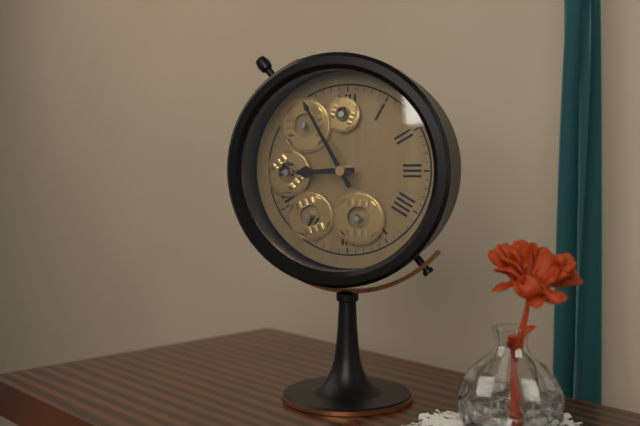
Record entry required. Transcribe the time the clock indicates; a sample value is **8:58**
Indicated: **8:55**
